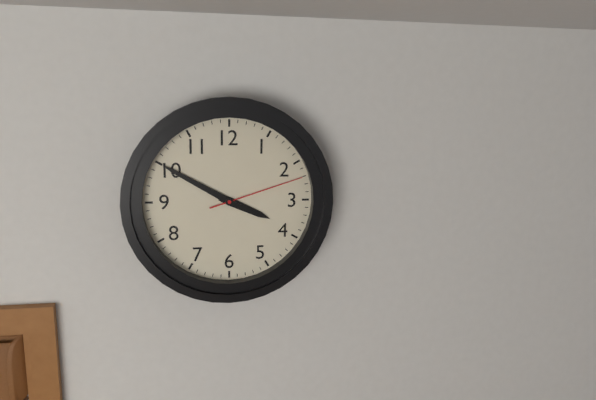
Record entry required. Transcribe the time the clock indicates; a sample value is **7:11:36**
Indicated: **3:50:12**
